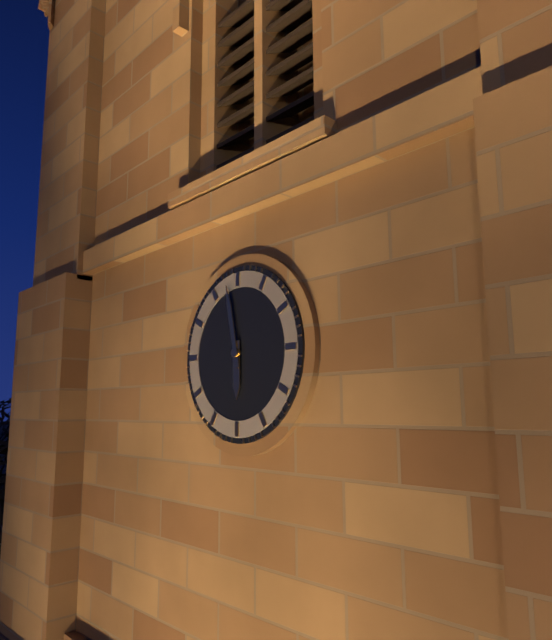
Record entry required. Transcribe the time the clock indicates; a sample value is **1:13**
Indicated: **5:58**
